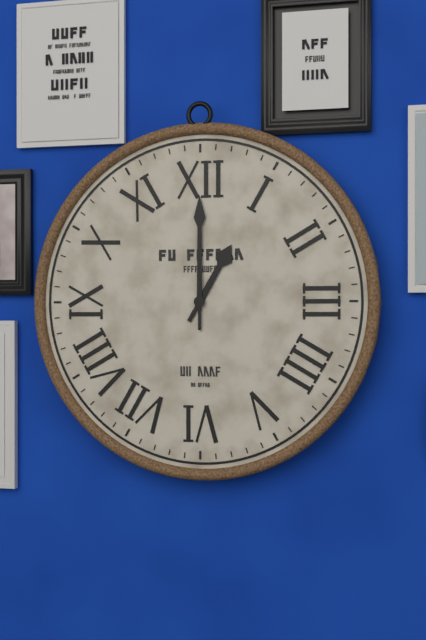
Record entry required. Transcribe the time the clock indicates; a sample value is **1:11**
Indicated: **1:00**
